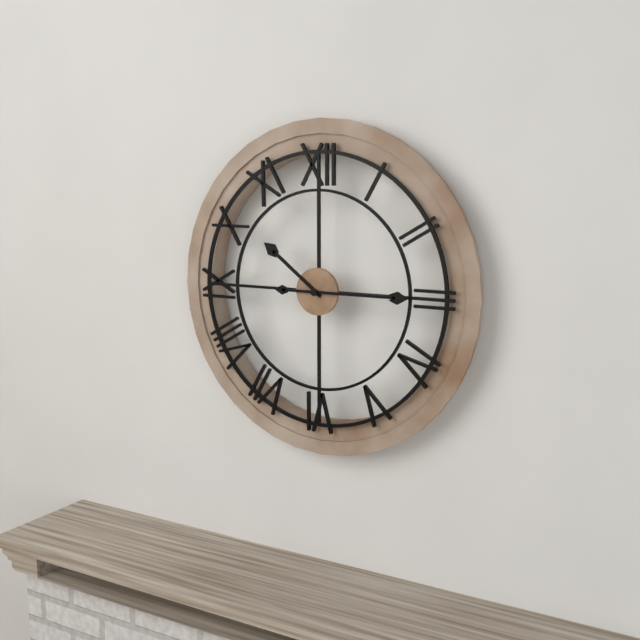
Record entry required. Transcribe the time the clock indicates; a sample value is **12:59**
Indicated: **10:15**
